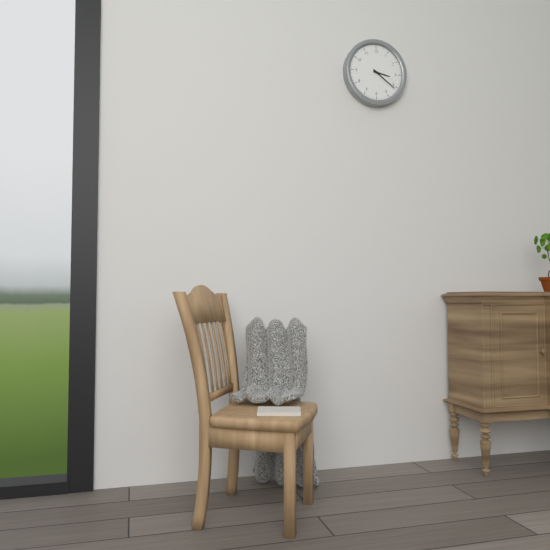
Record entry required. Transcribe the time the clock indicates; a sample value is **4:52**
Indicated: **3:21**
